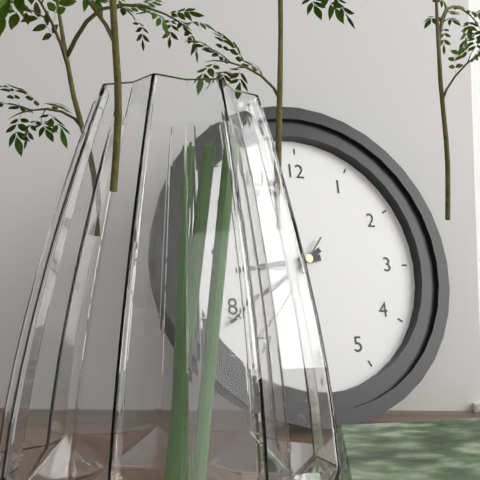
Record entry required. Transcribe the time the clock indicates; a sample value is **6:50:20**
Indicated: **8:39:36**
